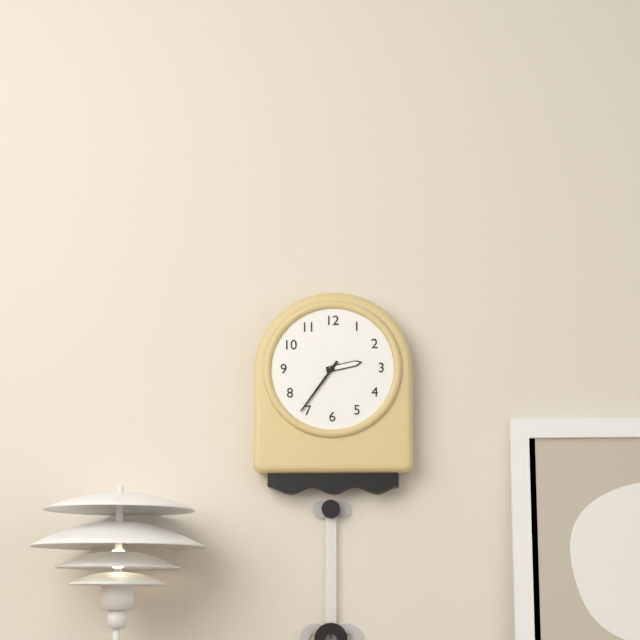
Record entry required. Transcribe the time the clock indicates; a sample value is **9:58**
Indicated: **2:36**
